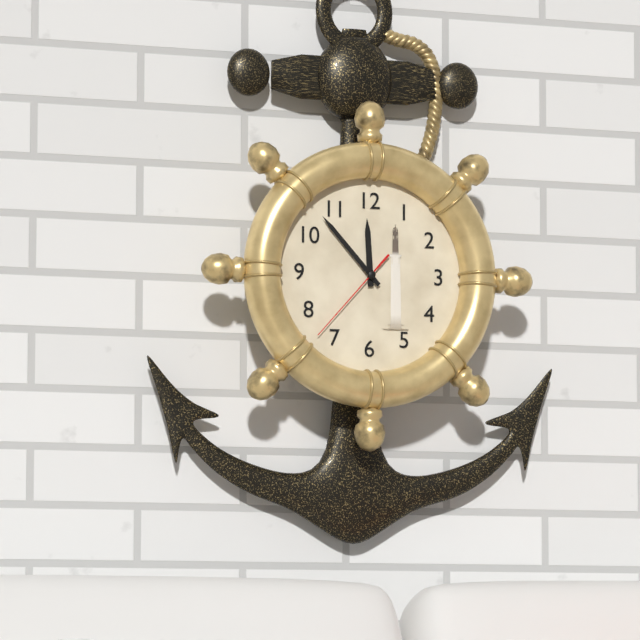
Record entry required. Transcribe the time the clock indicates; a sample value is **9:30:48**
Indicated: **11:53:37**
